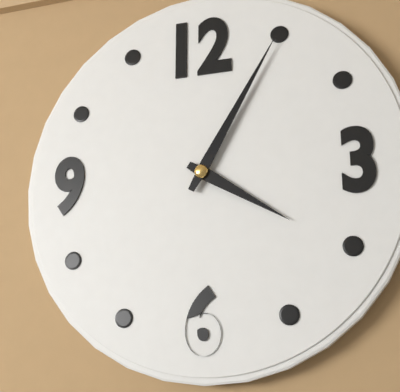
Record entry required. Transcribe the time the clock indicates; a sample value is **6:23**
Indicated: **4:05**
